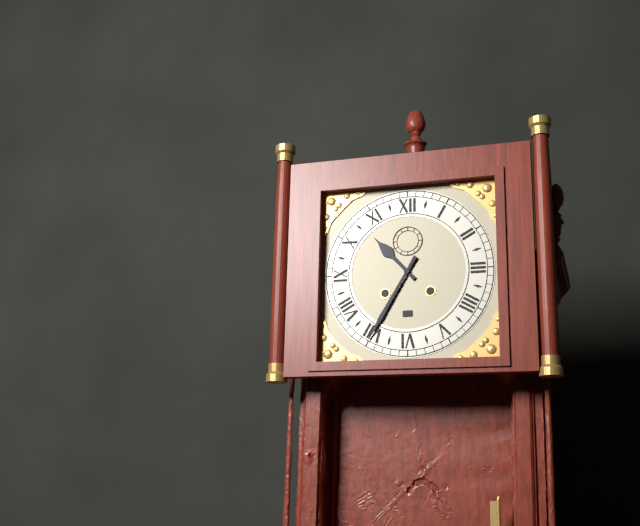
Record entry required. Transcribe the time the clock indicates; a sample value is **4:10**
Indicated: **10:35**
